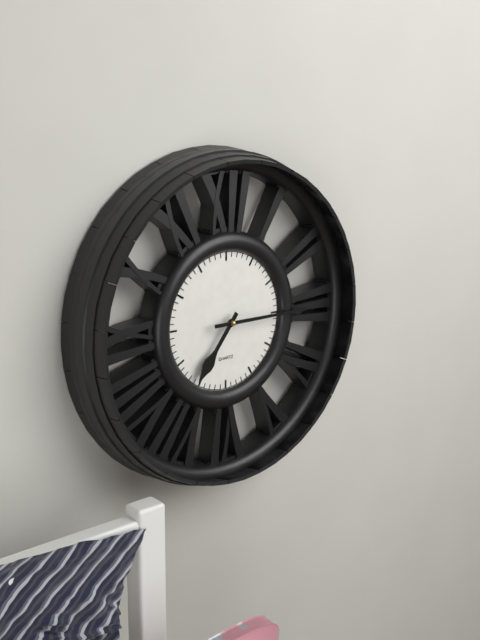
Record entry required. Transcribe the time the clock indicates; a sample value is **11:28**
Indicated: **7:15**
